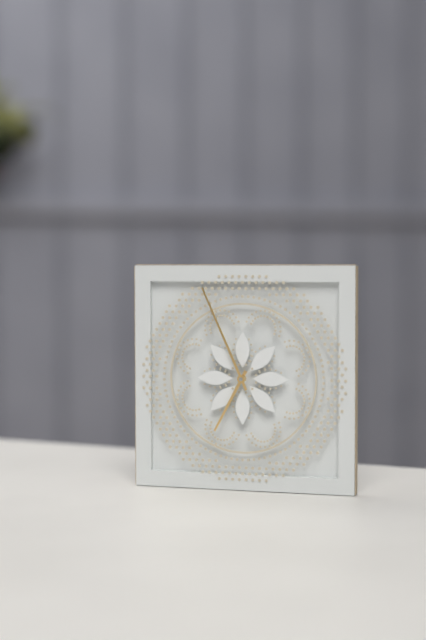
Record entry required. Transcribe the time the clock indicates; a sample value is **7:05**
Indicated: **6:56**
